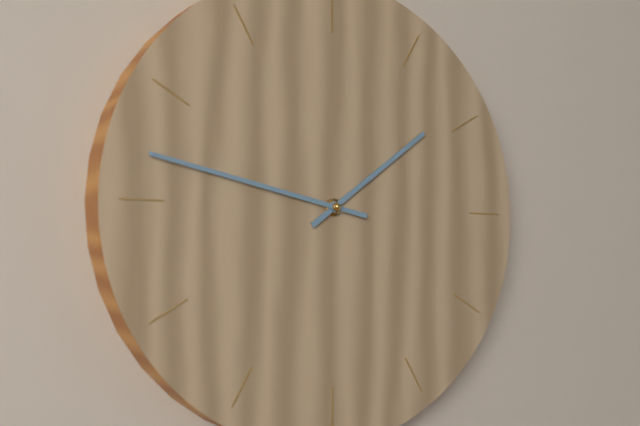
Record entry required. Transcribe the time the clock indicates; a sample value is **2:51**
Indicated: **1:47**
